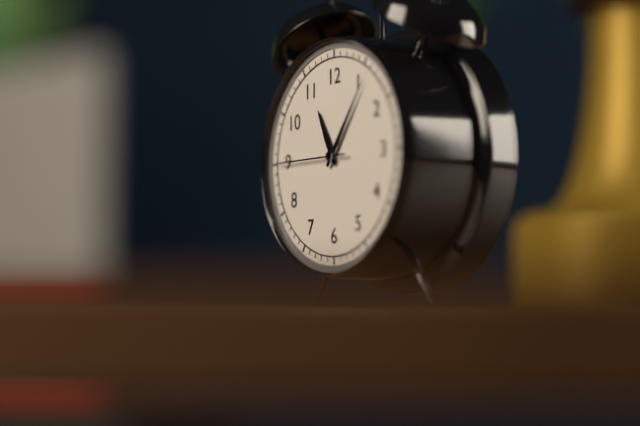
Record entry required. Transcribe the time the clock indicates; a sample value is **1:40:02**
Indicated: **11:06:45**
